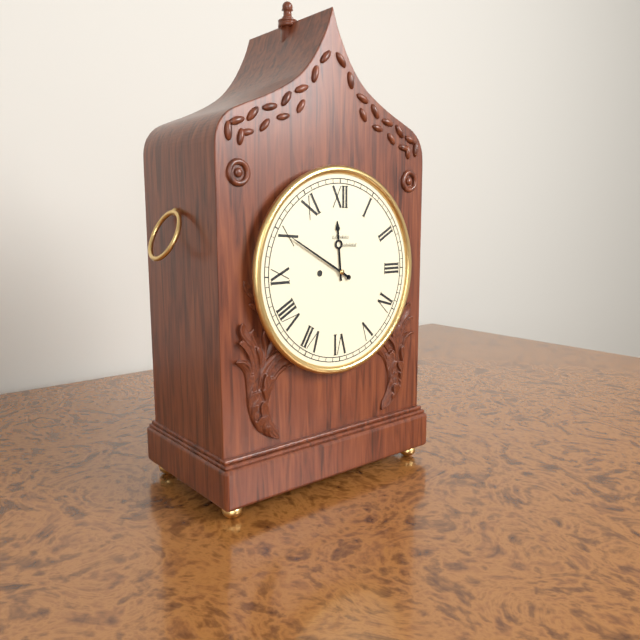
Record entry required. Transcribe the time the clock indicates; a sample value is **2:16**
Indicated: **11:50**
